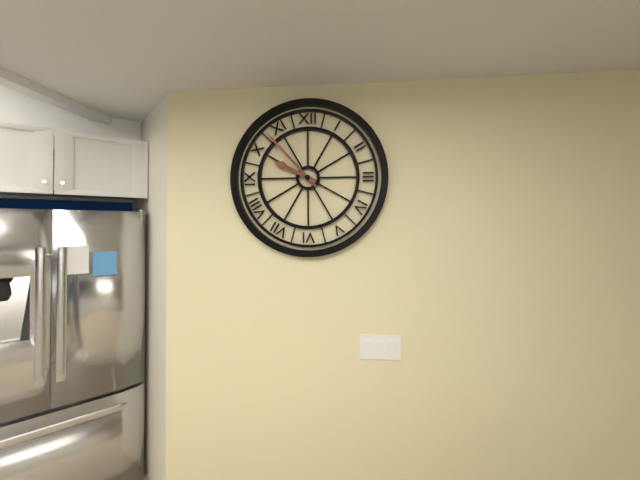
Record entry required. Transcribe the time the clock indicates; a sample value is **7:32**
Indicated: **9:53**
